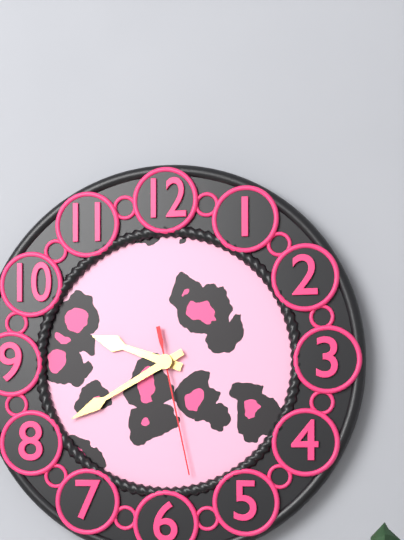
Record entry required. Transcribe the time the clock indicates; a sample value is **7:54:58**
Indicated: **9:40:28**
